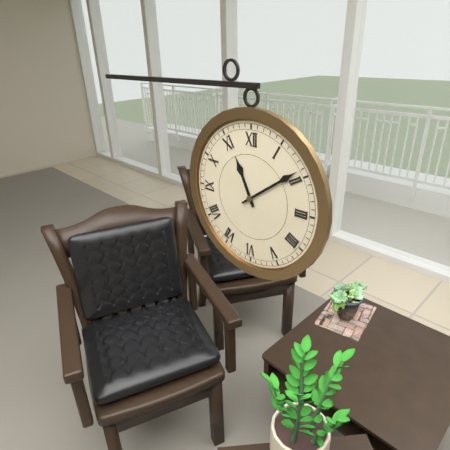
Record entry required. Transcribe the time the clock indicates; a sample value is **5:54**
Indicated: **11:09**
